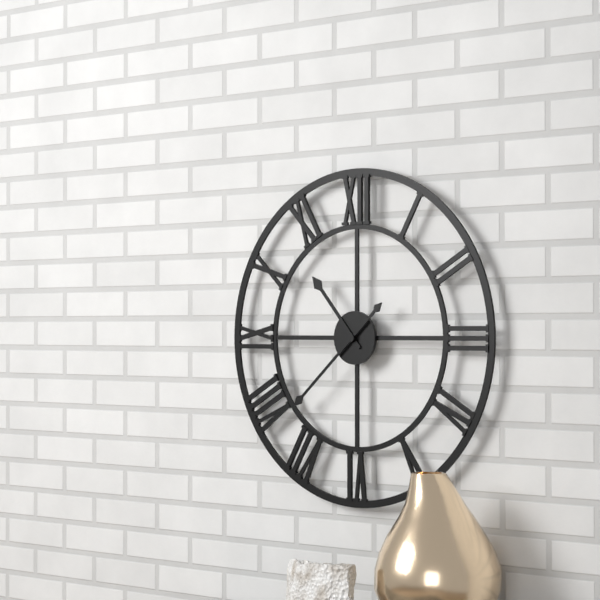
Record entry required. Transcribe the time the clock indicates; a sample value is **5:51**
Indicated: **10:38**
